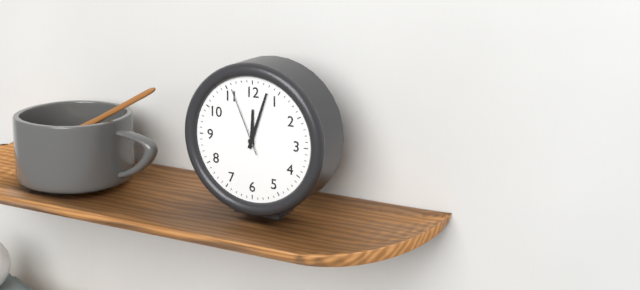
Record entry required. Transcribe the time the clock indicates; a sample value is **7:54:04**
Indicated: **12:03:56**
